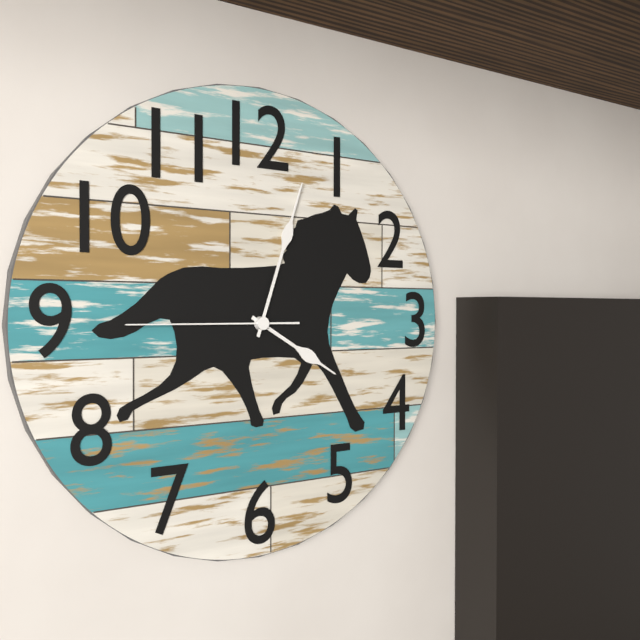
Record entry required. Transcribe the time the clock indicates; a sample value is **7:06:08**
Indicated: **4:03:45**
